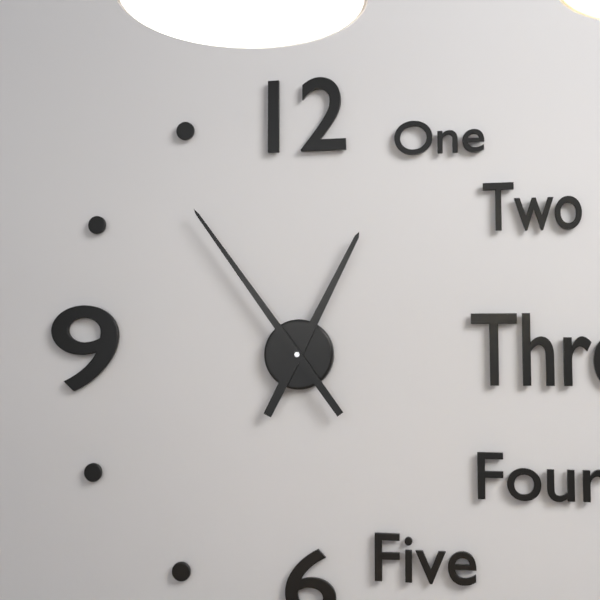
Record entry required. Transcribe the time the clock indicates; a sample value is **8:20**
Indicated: **12:54**
